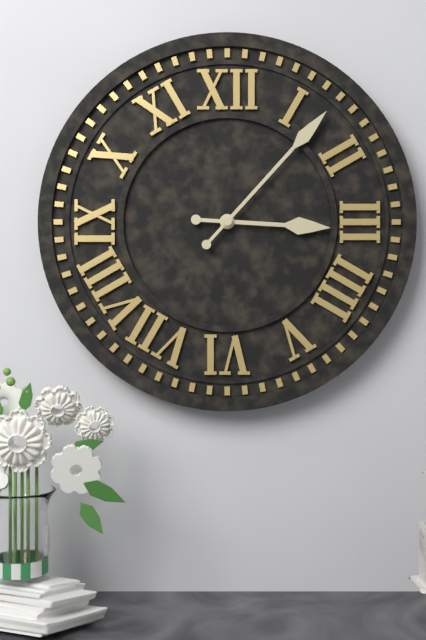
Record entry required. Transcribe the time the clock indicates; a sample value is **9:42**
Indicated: **3:07**
